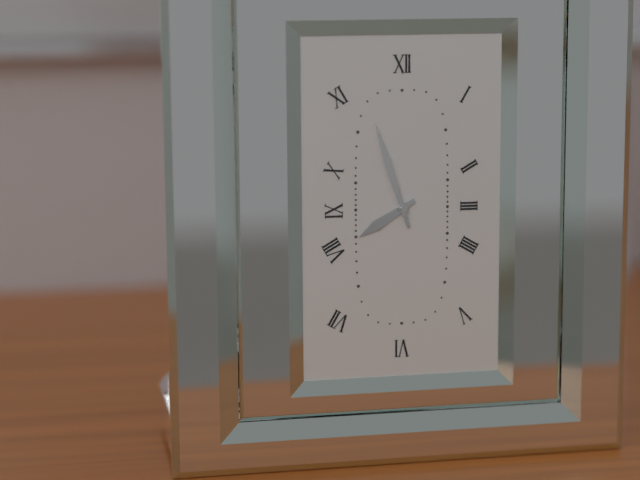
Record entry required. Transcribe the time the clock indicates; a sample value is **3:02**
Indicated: **7:57**
